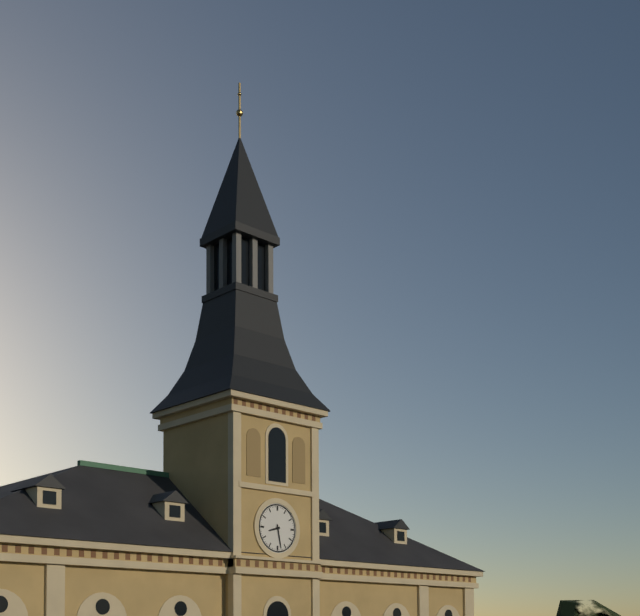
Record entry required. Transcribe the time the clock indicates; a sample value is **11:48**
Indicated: **8:28**
